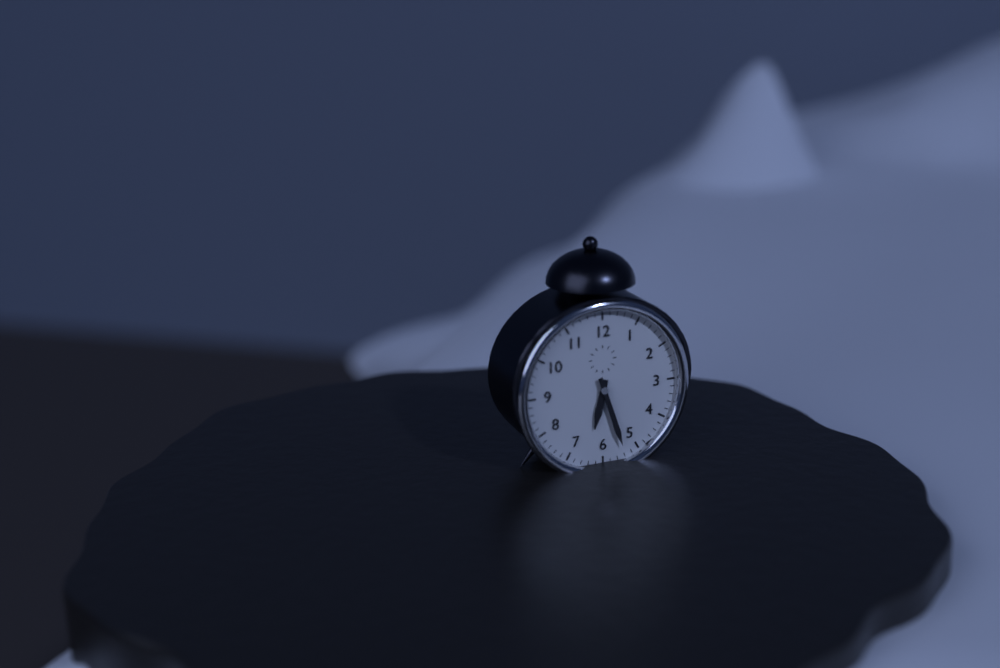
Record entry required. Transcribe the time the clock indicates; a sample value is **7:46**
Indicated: **6:27**
